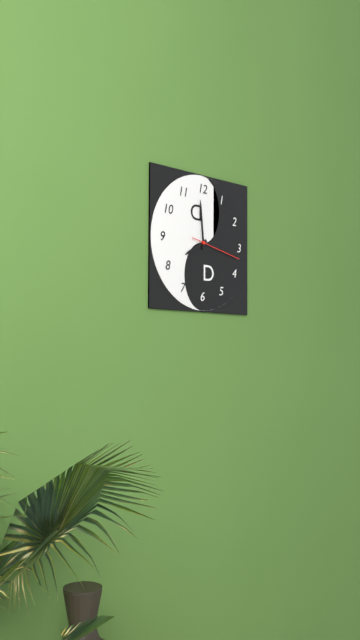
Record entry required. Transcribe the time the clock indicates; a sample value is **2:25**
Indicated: **7:59**
